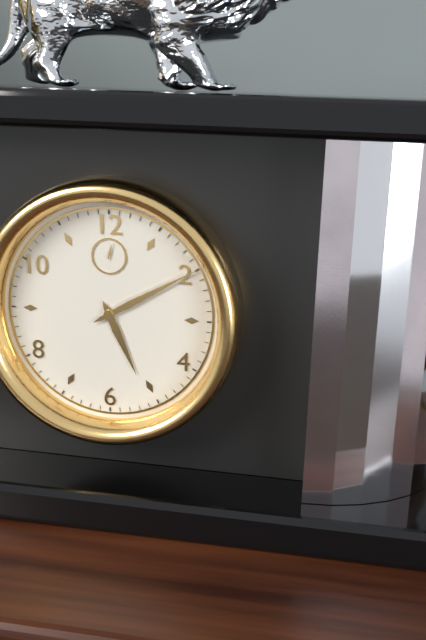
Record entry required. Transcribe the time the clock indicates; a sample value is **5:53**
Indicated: **5:10**
